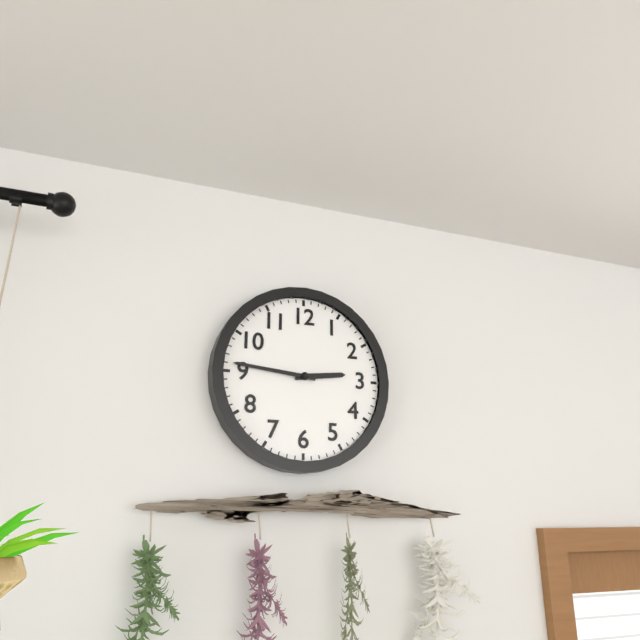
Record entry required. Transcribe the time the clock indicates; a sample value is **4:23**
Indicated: **2:46**
